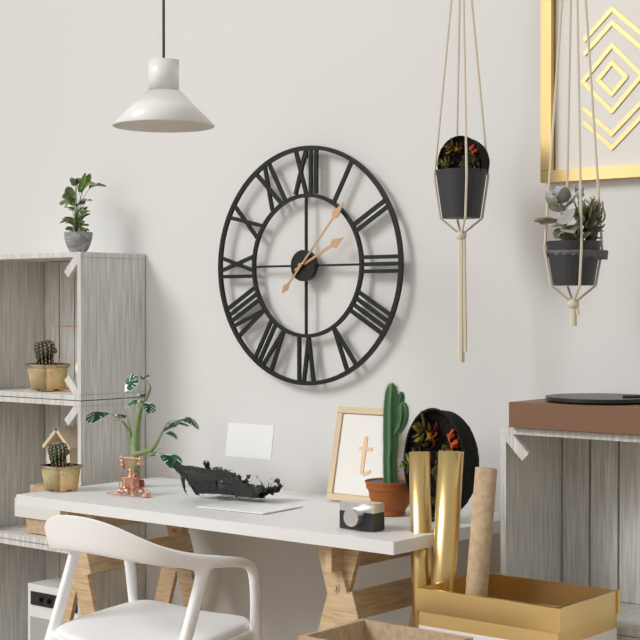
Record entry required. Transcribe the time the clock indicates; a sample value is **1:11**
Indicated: **2:07**
